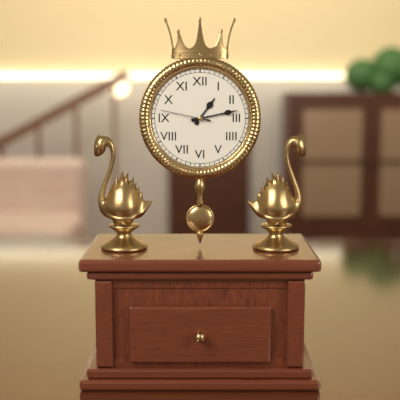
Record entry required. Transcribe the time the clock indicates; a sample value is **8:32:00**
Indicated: **1:13:47**
